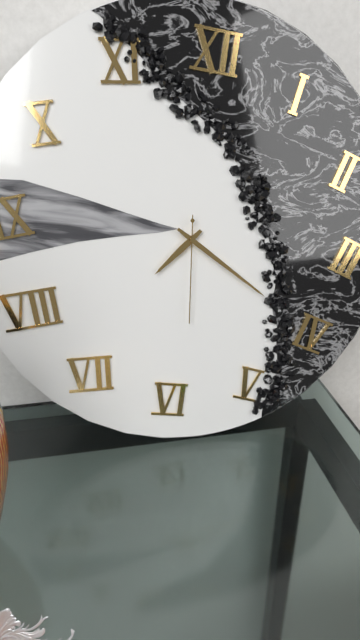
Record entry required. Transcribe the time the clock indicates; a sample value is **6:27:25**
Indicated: **7:20:29**
